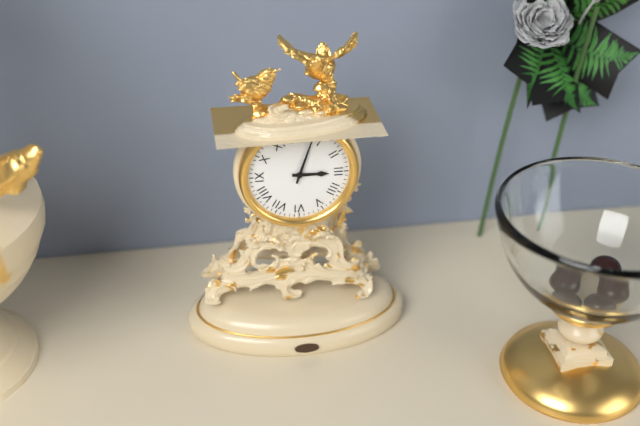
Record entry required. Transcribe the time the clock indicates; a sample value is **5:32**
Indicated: **3:03**
